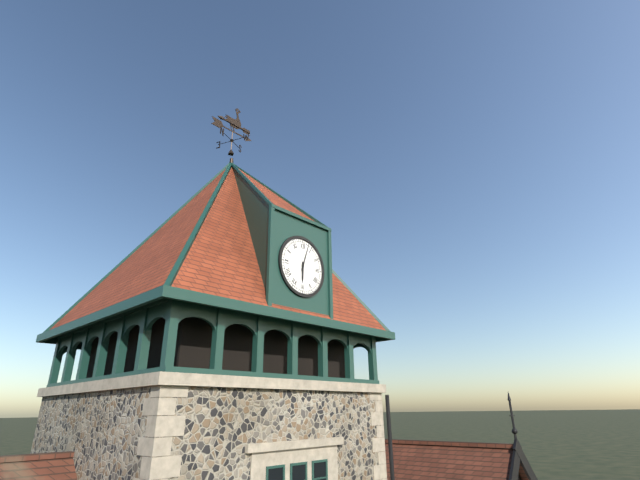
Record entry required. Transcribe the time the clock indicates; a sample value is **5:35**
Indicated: **6:03**
